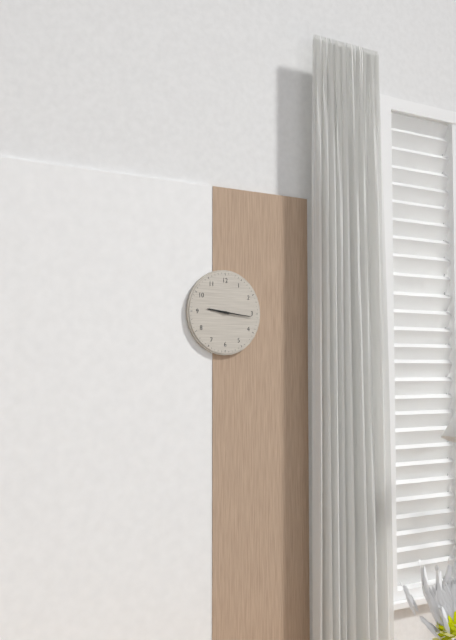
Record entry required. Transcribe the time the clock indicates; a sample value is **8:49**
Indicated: **9:16**
